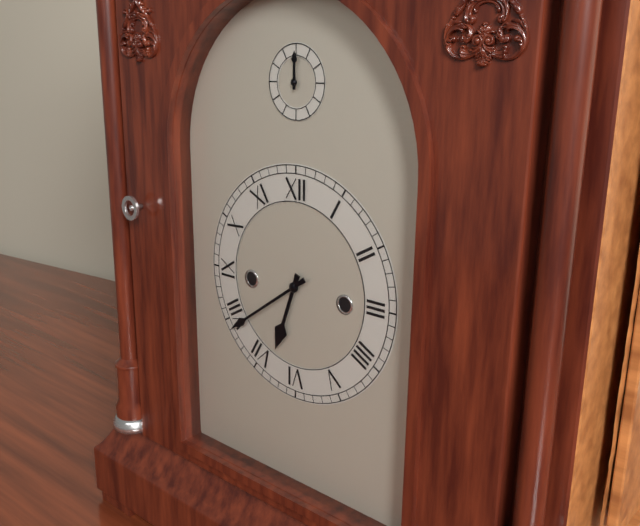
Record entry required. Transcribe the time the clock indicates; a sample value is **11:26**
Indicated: **6:39**
